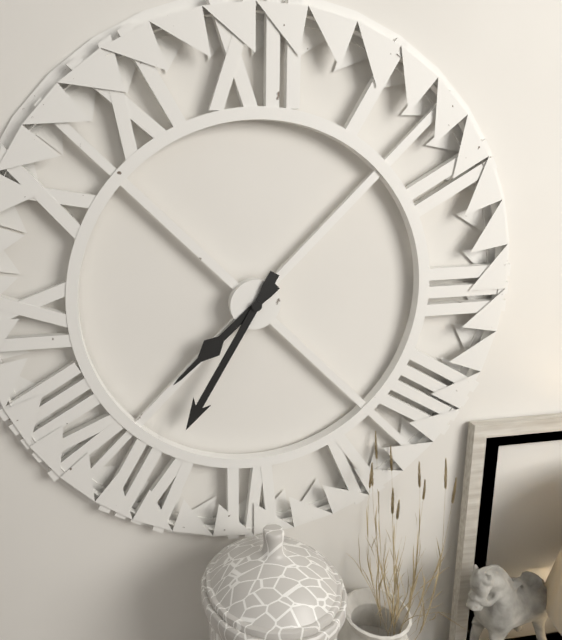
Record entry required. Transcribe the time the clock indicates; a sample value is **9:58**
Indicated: **7:35**
